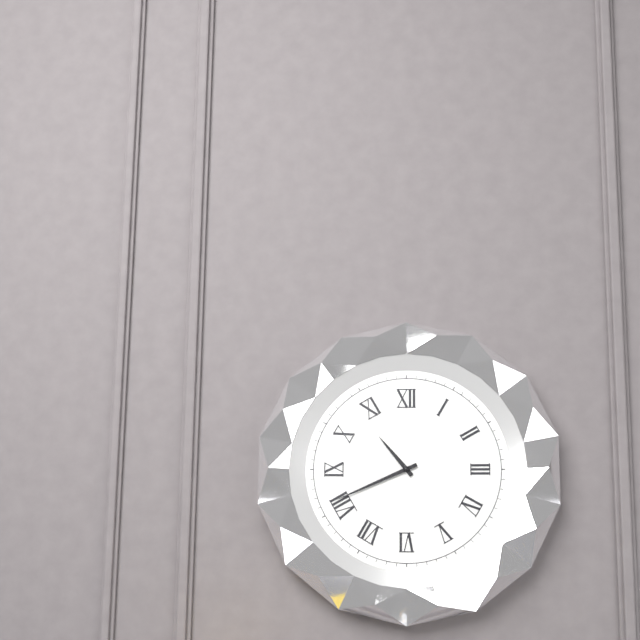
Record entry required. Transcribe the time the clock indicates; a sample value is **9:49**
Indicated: **10:41**
